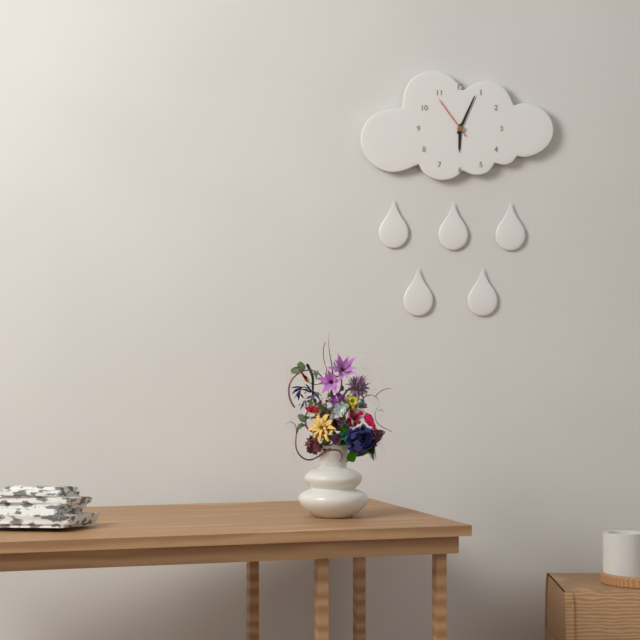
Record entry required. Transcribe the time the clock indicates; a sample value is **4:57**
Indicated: **6:04**
